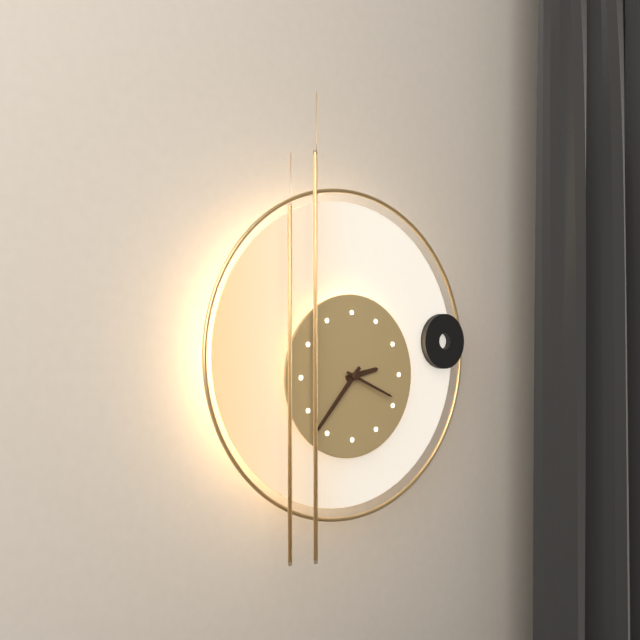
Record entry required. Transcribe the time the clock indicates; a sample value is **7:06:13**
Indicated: **2:37:19**
